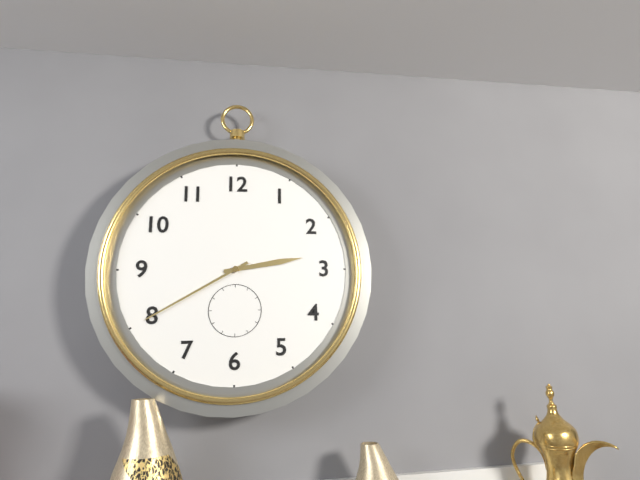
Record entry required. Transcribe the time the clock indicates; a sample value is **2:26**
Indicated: **2:40**
